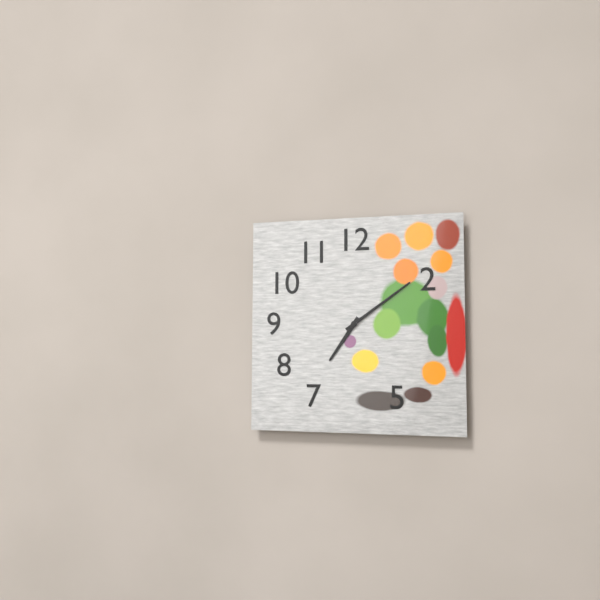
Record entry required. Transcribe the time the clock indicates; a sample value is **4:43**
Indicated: **7:09**
